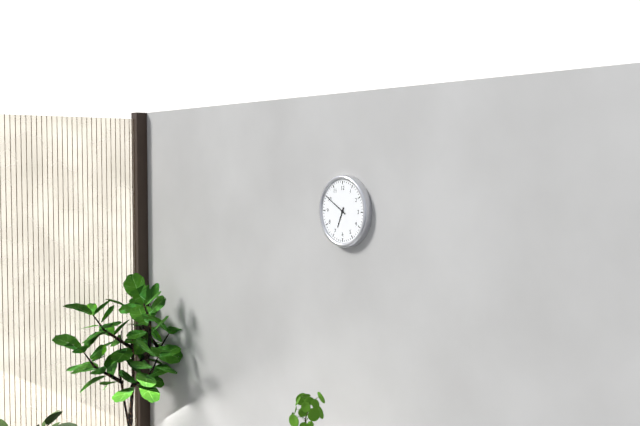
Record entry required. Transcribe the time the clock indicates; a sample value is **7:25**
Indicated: **6:50**
